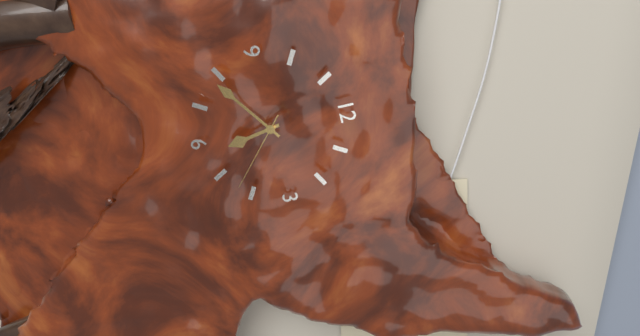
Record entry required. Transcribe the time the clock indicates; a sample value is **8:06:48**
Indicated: **5:39:22**
